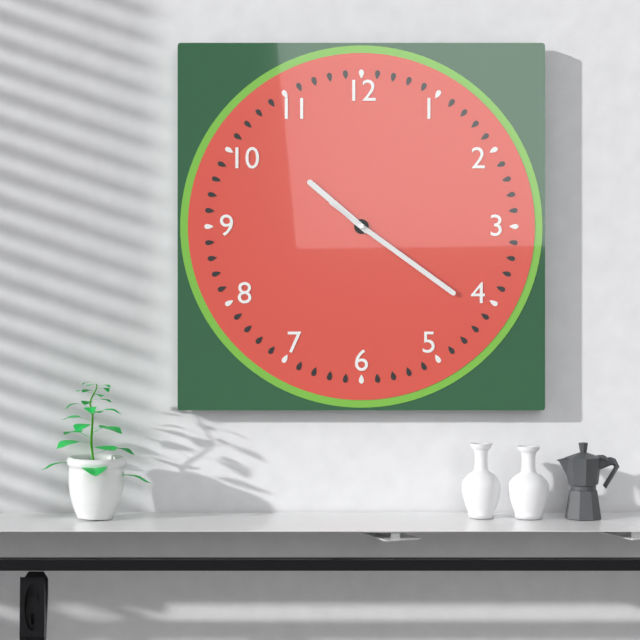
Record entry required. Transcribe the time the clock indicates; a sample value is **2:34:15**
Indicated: **10:21:21**
